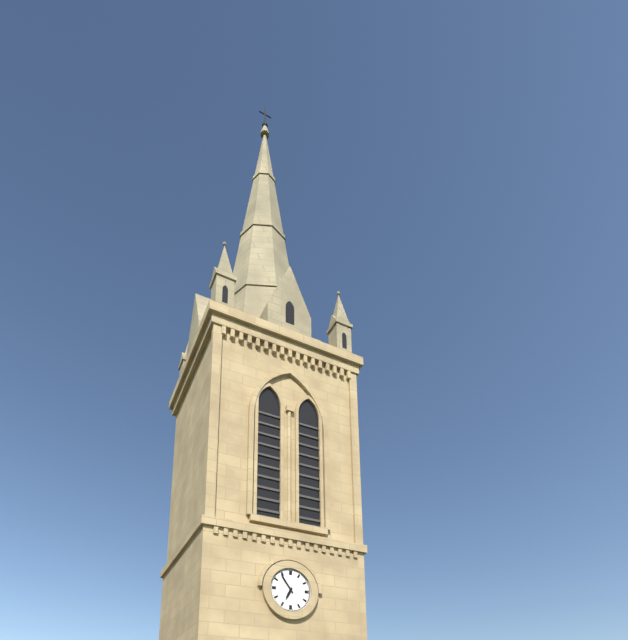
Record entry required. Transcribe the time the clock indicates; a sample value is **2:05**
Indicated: **6:54**
